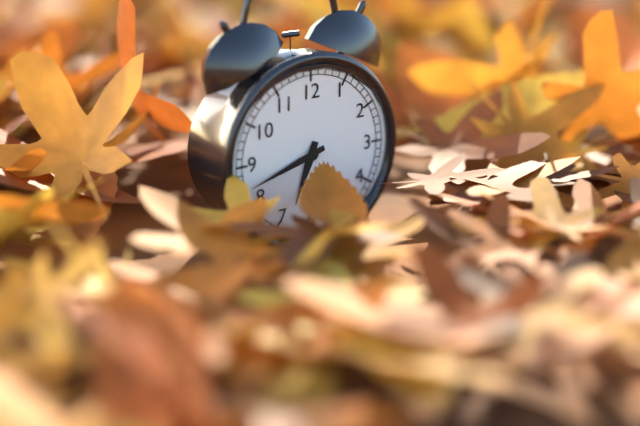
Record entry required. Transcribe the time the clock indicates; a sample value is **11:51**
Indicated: **6:42**
